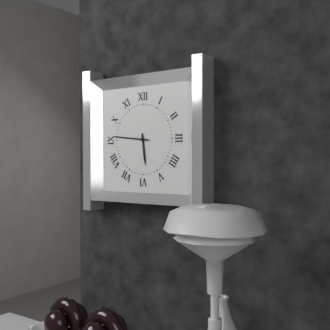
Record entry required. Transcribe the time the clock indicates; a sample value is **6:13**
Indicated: **5:46**
